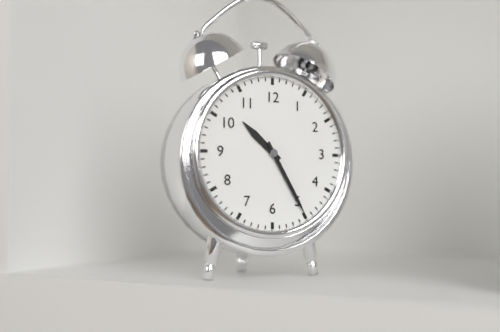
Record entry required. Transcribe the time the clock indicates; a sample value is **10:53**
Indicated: **10:25**
